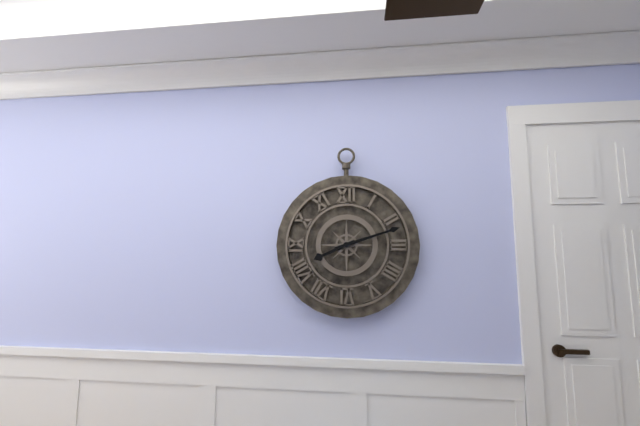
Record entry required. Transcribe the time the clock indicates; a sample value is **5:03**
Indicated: **8:12**
